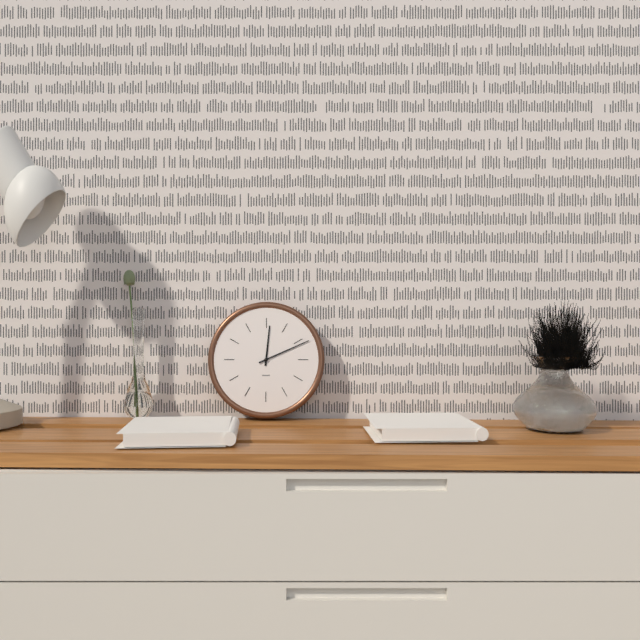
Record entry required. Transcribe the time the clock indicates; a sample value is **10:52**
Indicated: **12:11**
